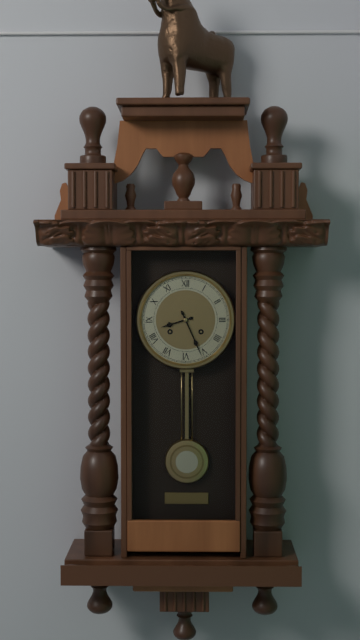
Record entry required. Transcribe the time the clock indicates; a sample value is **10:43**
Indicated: **8:26**
